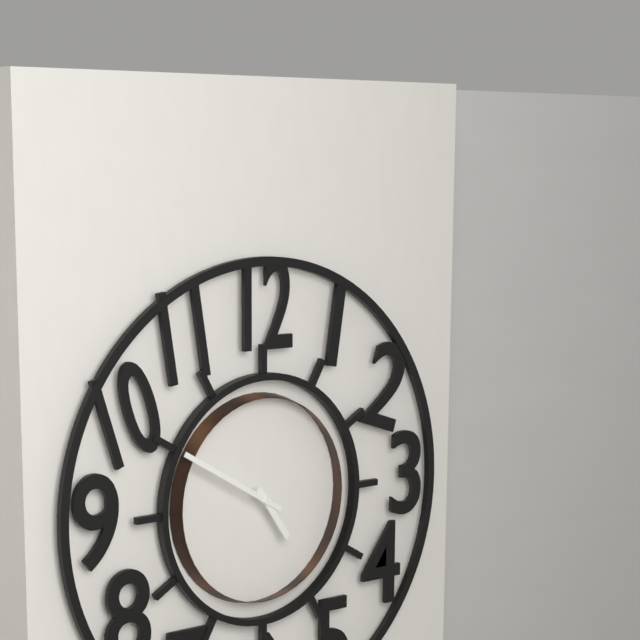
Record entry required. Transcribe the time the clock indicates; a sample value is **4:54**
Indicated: **4:50**
